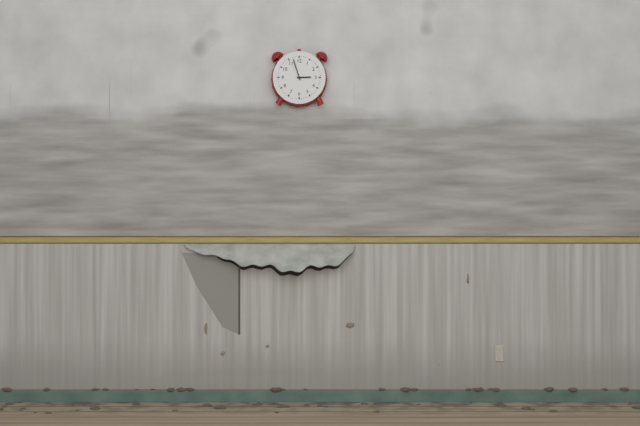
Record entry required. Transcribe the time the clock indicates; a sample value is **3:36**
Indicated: **2:57**
